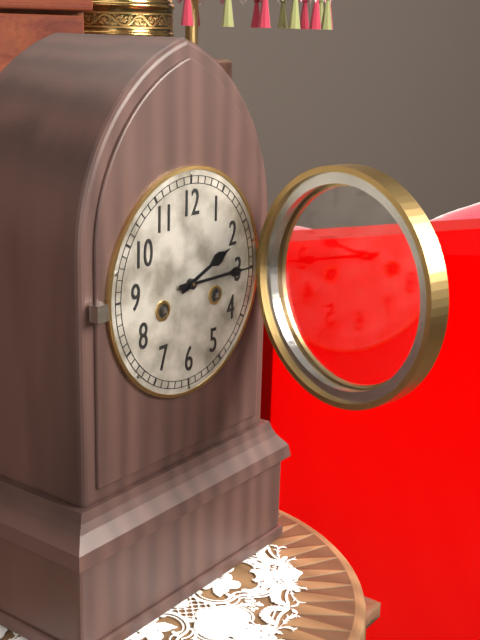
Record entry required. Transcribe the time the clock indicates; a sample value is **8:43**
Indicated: **2:15**
